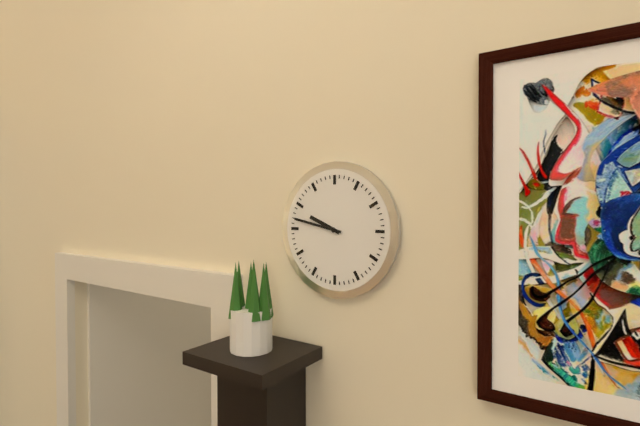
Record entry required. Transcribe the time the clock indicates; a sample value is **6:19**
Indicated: **9:47**
